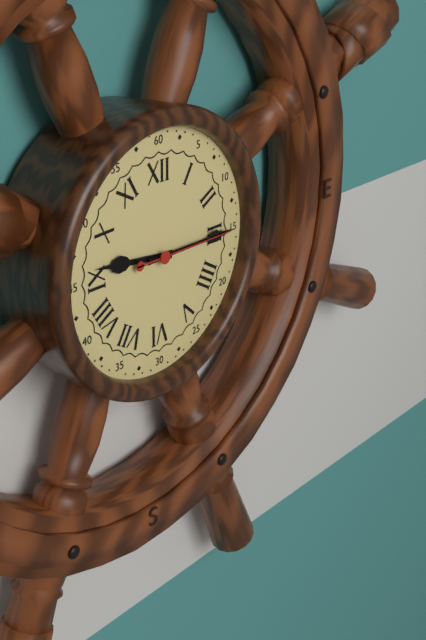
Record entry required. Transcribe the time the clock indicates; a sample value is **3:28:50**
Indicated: **9:15:15**
